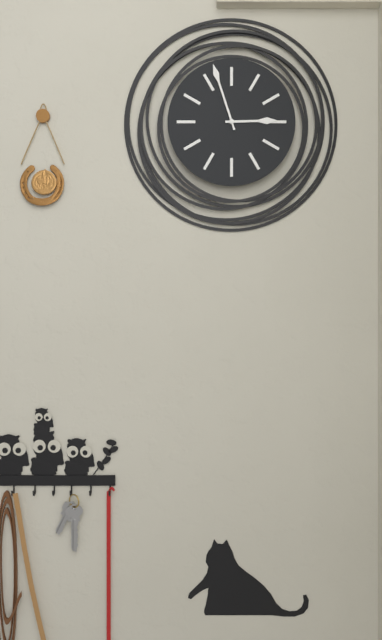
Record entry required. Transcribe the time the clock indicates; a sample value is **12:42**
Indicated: **2:57**
